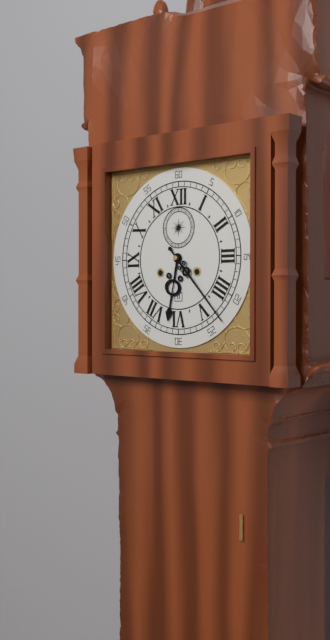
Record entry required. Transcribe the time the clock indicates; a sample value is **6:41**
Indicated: **6:23**
